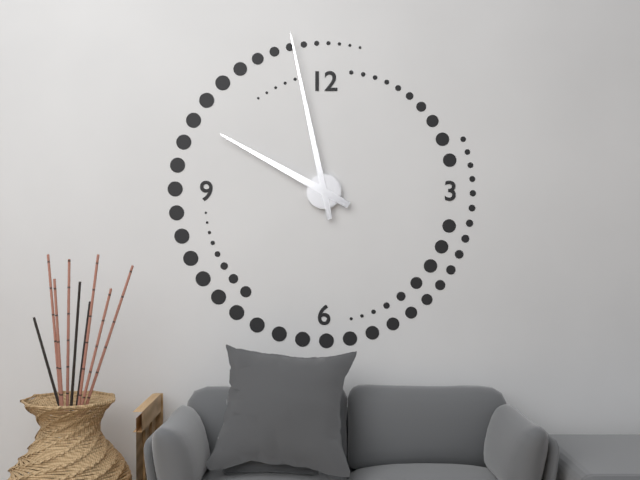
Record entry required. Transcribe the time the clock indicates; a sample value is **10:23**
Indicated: **9:58**
